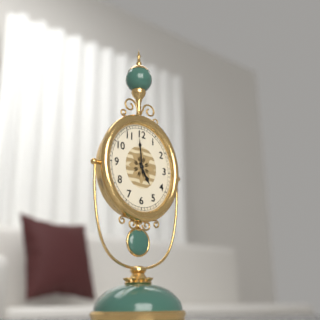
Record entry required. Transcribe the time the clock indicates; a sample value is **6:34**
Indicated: **4:59**
